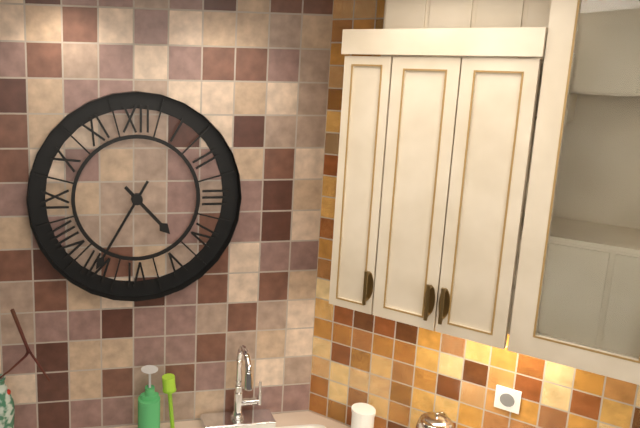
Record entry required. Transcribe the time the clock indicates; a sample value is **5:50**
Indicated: **4:35**
